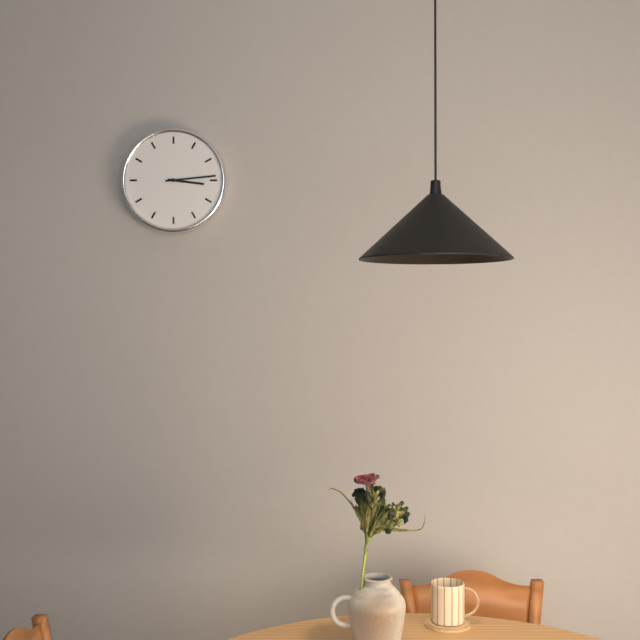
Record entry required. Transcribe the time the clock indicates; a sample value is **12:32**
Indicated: **3:14**
